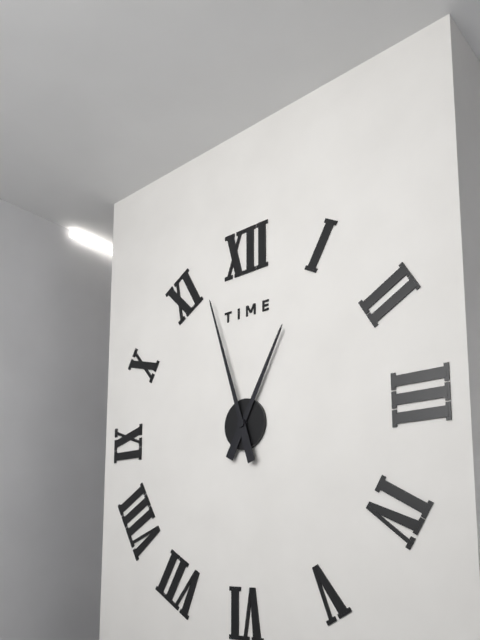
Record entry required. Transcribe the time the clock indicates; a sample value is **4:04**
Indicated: **12:57**
